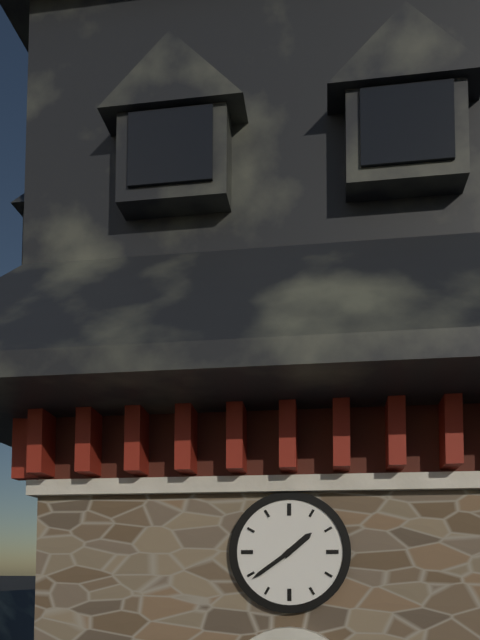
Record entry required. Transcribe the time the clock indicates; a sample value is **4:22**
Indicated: **1:39**
